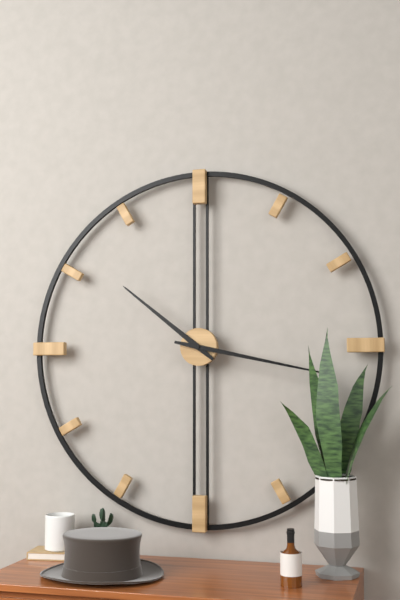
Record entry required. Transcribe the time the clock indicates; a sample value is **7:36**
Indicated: **10:17**
